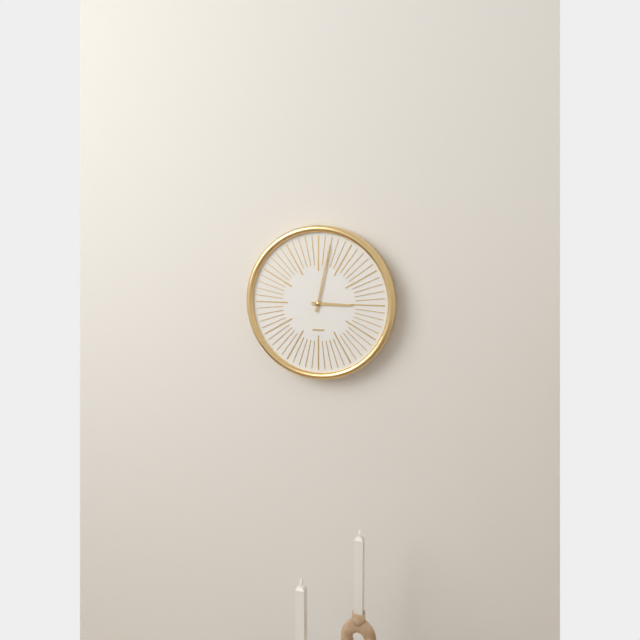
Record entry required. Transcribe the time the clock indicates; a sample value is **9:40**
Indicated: **3:02**
